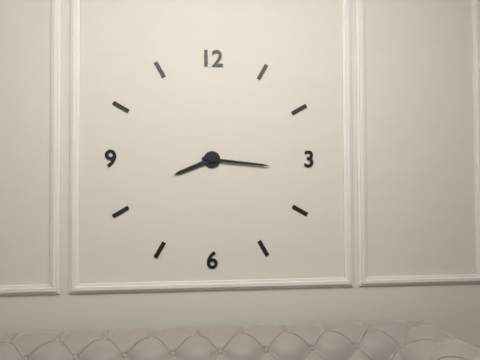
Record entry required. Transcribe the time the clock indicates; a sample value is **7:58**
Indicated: **8:16**
